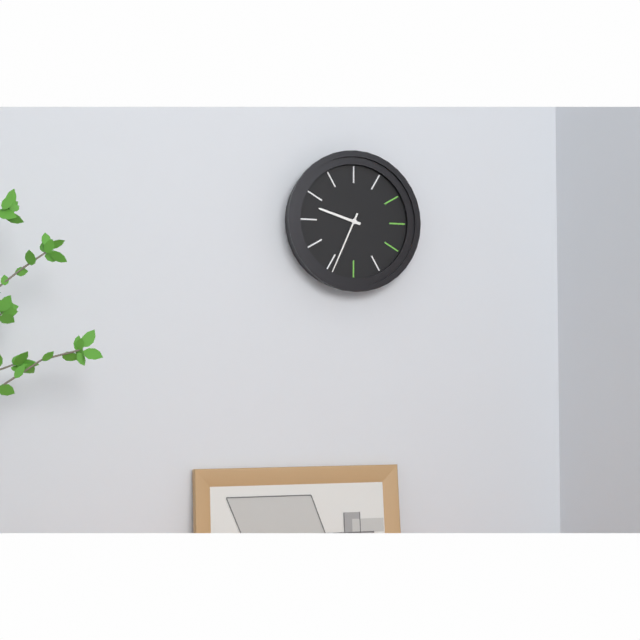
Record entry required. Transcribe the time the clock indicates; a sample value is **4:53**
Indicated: **9:34**
